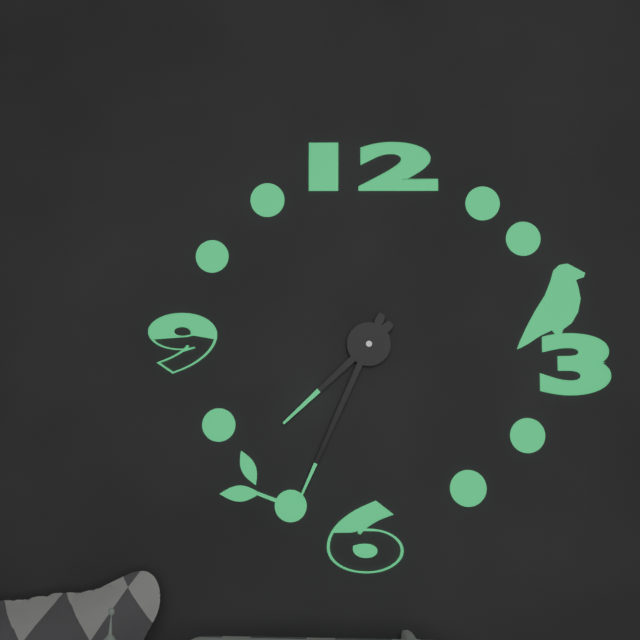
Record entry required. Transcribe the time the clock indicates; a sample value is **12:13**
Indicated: **7:34**
